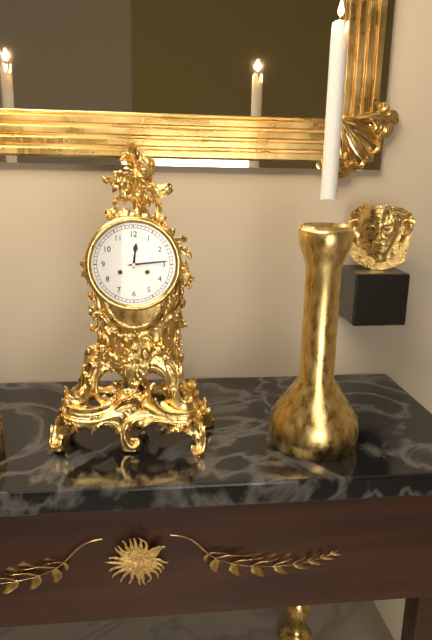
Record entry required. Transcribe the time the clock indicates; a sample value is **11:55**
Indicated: **12:14**
